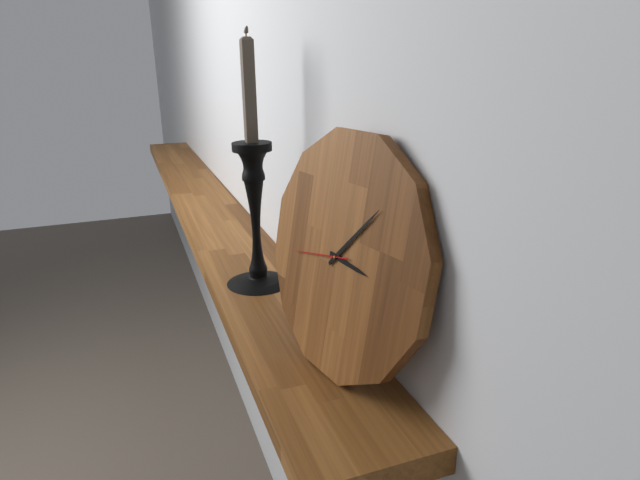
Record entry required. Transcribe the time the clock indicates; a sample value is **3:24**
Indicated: **3:07**
